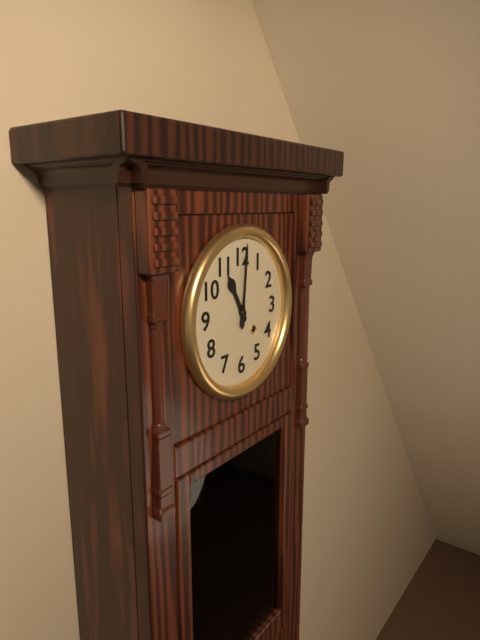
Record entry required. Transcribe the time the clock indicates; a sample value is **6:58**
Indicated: **11:01**
